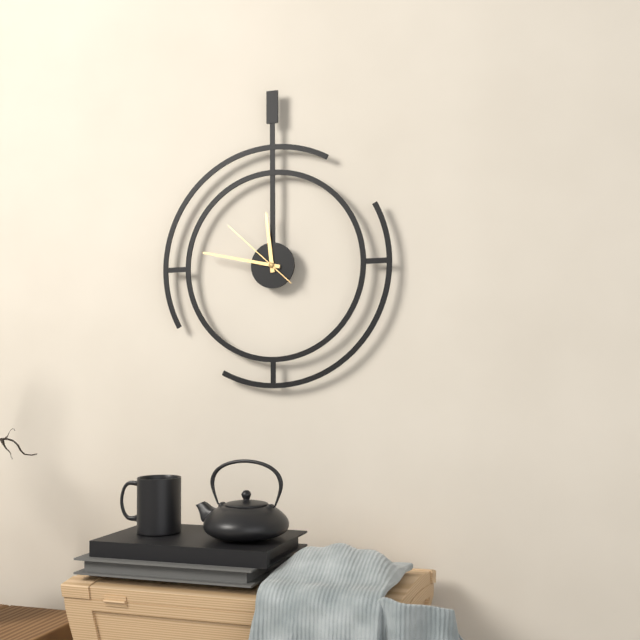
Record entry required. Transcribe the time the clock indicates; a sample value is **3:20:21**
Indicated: **11:47:52**
